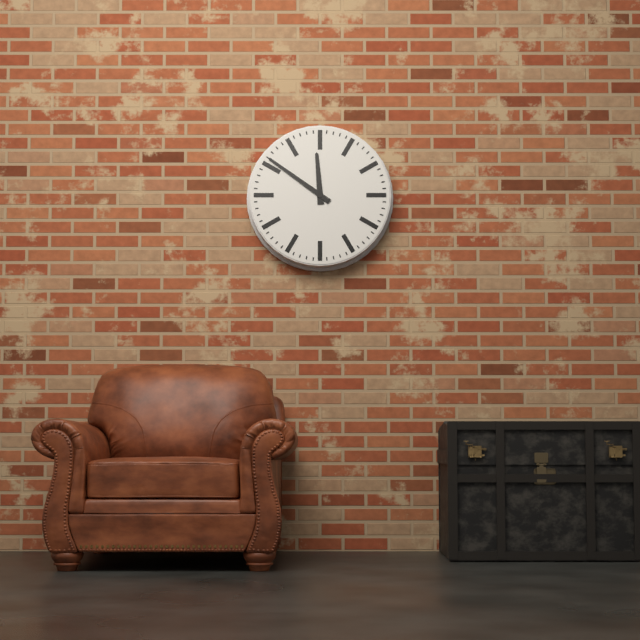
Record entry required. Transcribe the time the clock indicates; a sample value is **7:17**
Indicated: **11:51**
